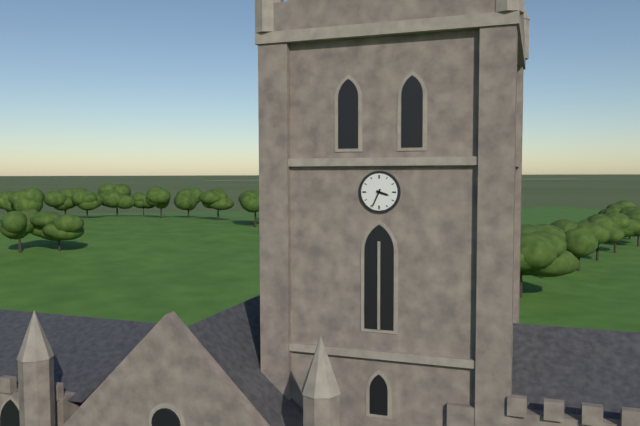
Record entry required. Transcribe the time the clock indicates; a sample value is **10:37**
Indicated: **3:34**
